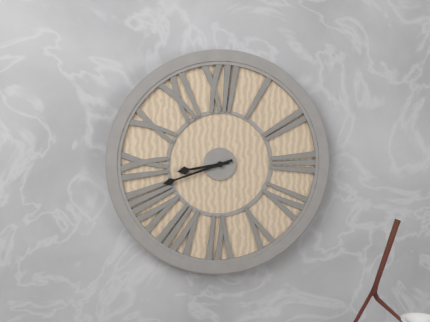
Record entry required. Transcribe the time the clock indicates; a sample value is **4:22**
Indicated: **8:42**
